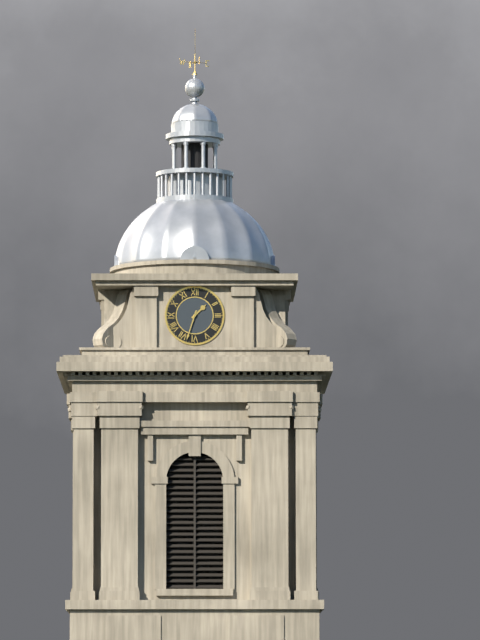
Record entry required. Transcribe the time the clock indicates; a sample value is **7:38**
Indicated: **1:33**
